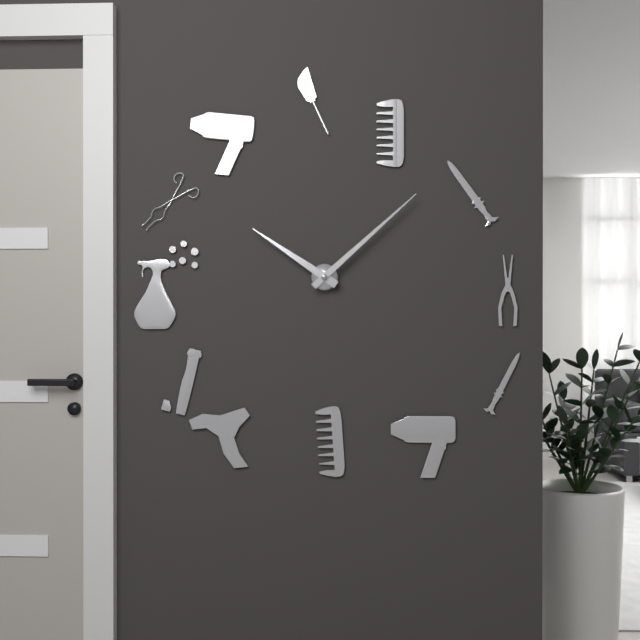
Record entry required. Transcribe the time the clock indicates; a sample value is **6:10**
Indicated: **10:08**
